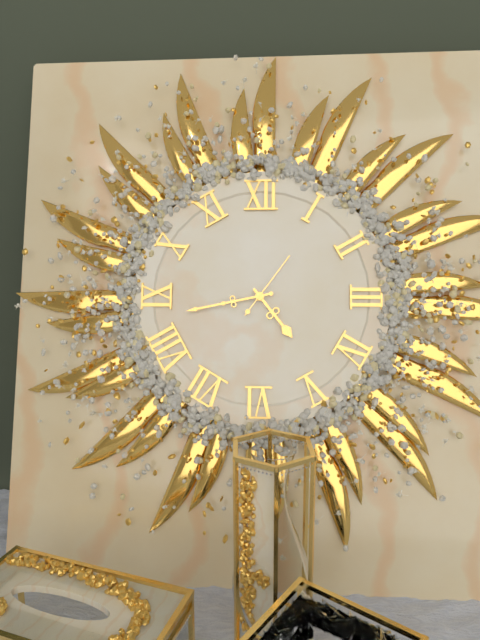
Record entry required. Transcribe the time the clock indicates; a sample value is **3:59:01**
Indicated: **4:43:06**
